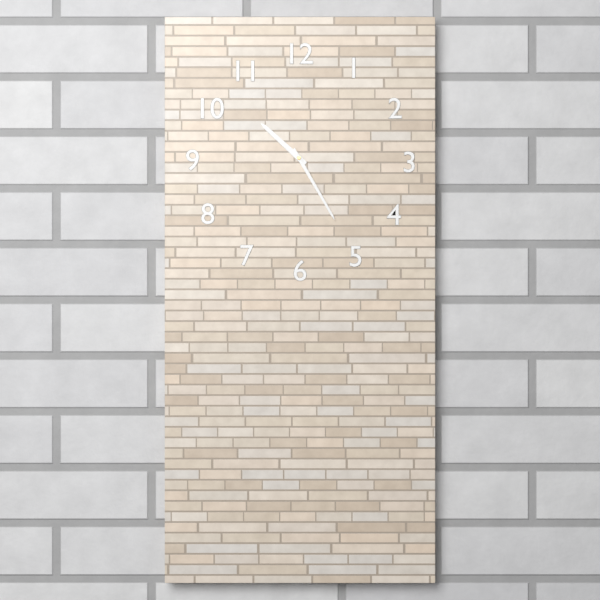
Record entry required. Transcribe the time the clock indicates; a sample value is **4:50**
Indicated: **10:25**
